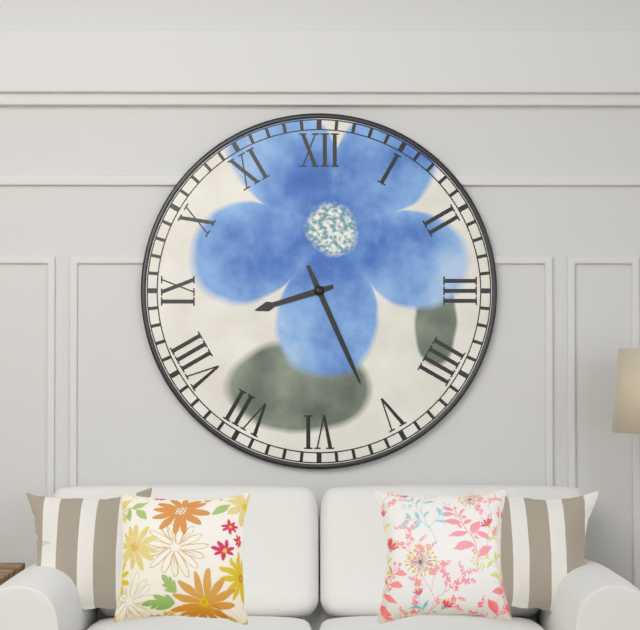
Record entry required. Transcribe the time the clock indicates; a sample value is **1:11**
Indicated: **8:26**
